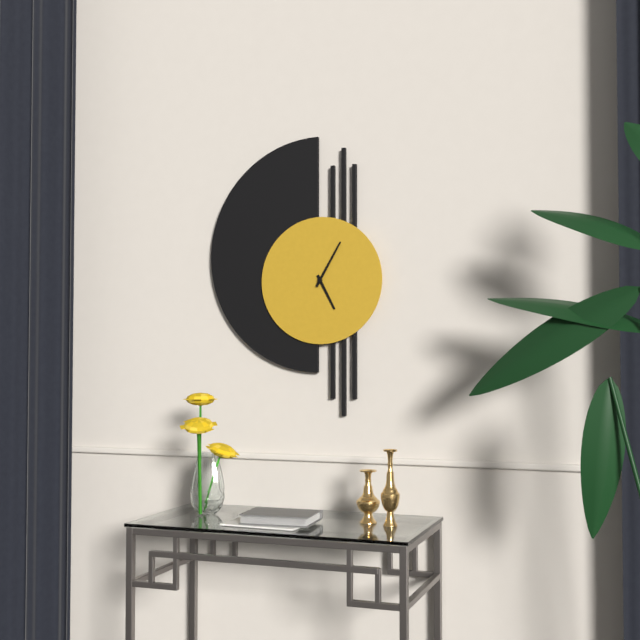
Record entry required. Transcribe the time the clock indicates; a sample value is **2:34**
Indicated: **5:05**
